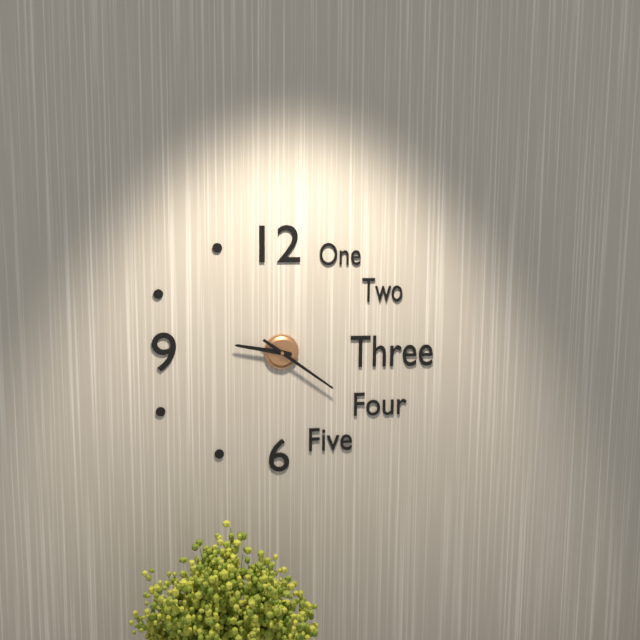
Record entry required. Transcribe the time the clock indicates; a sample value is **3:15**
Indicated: **9:21**
